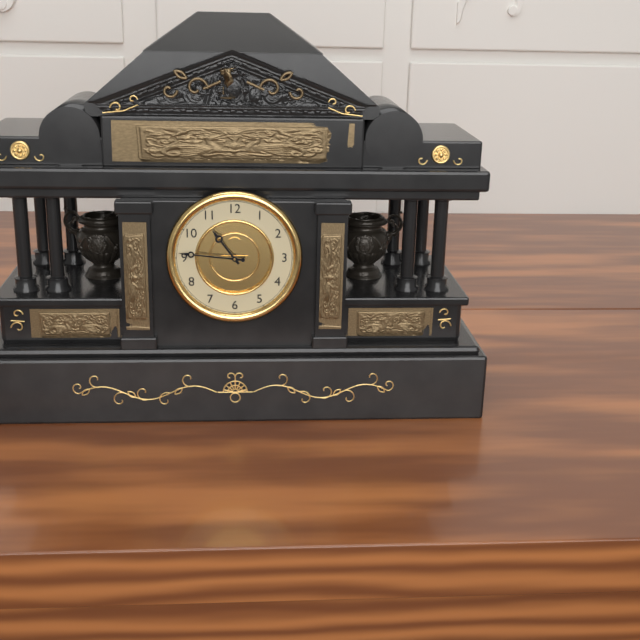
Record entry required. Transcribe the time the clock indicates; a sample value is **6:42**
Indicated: **10:46**
